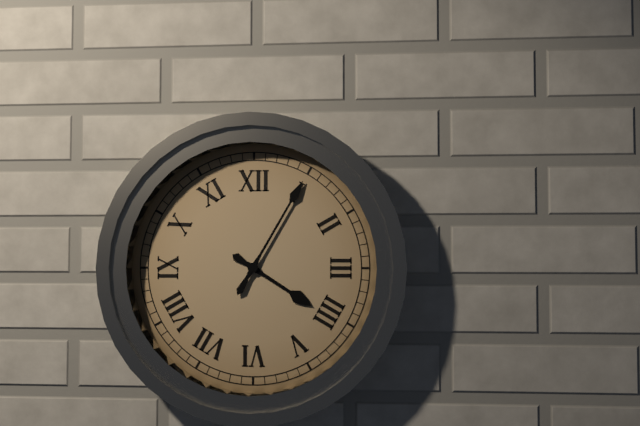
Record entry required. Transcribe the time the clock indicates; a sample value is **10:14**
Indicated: **4:05**
